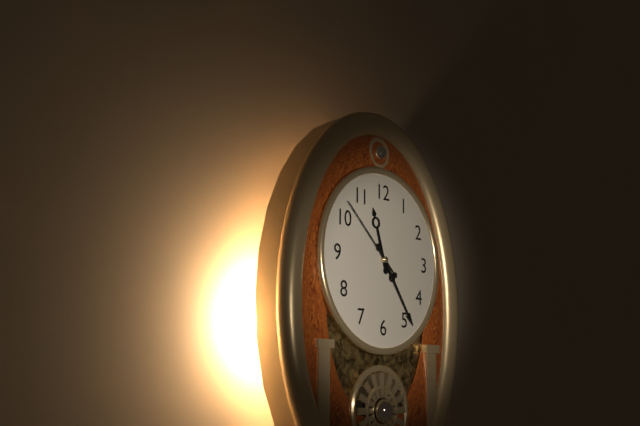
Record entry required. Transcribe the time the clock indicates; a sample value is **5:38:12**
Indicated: **11:24:52**
